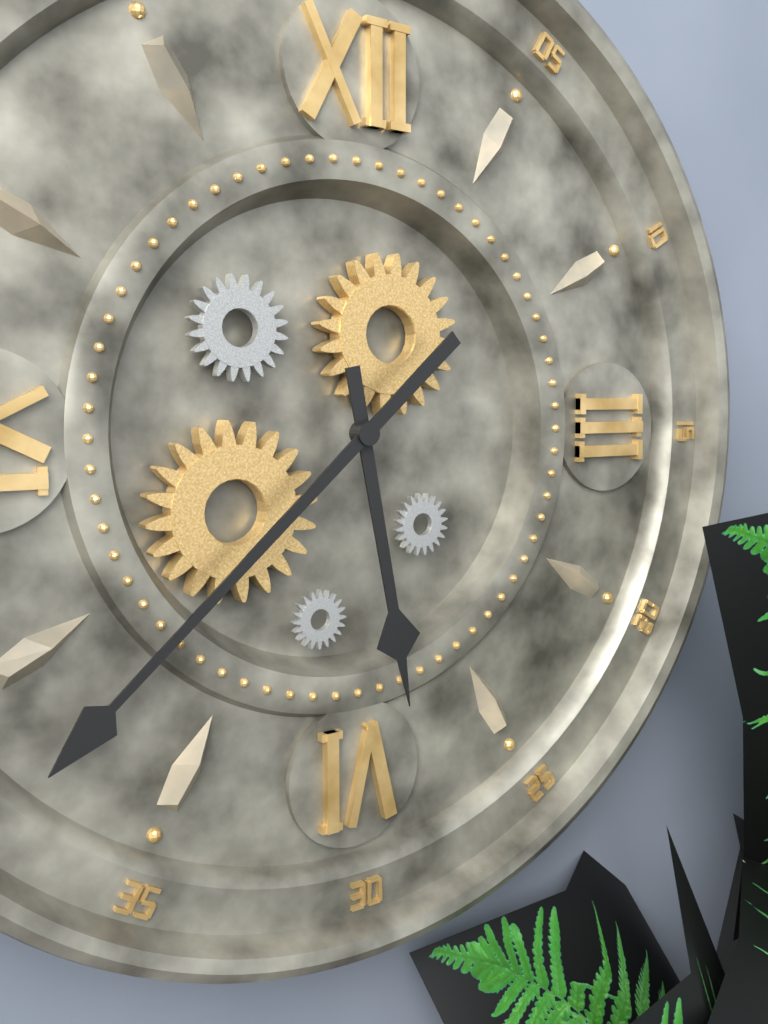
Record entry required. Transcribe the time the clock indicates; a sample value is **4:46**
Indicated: **5:38**
